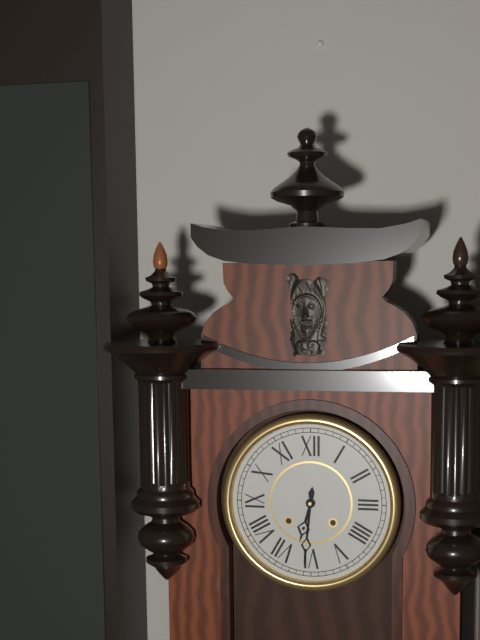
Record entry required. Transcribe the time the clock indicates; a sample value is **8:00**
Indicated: **6:31**
